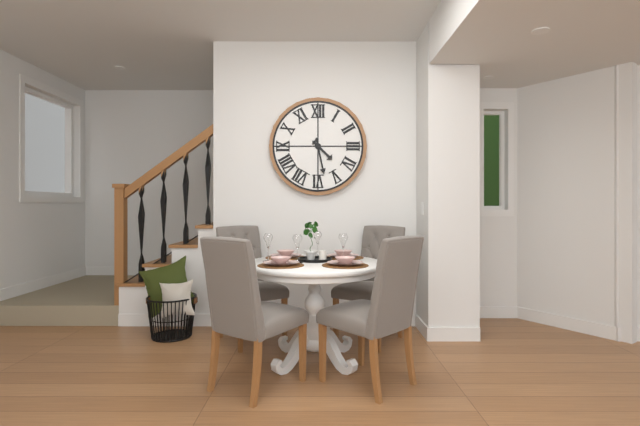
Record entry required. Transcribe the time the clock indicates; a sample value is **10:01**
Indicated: **4:28**
